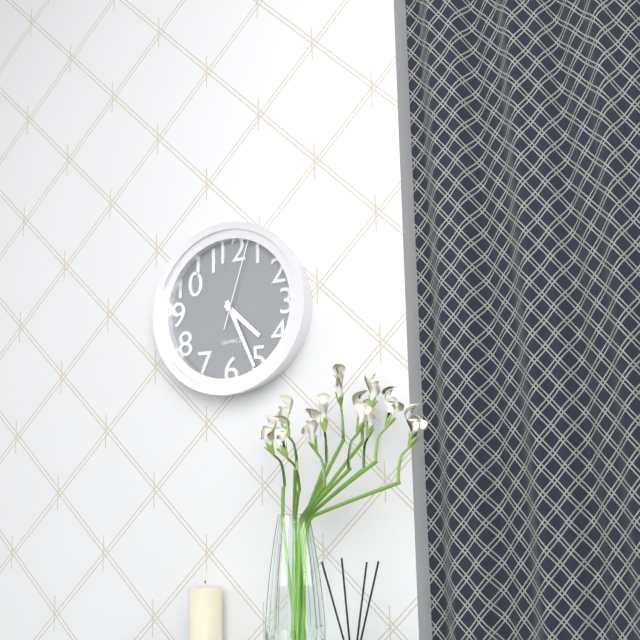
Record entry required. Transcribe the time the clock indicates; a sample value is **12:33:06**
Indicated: **4:26:03**
